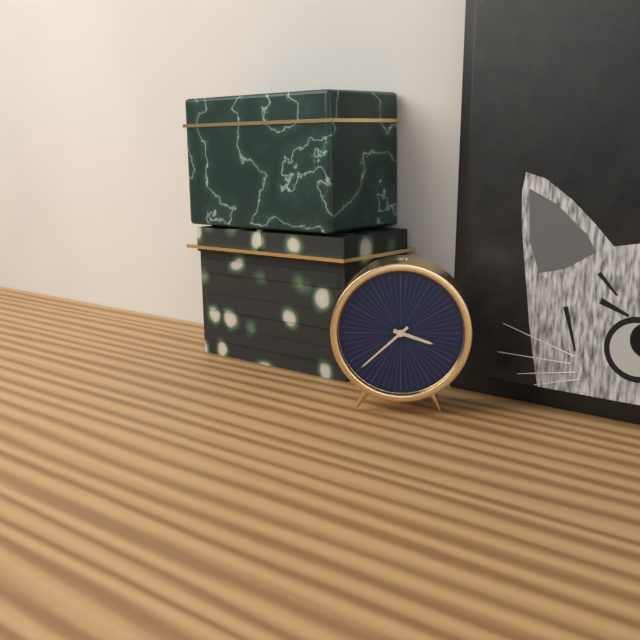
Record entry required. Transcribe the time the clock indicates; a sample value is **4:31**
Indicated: **3:38**
